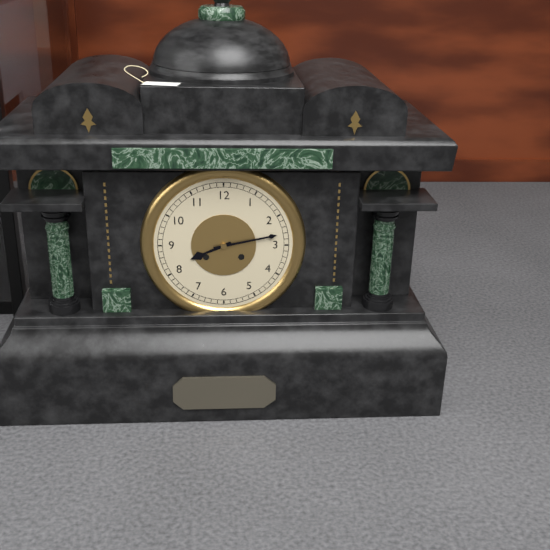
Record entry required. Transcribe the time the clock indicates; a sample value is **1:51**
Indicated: **8:13**
